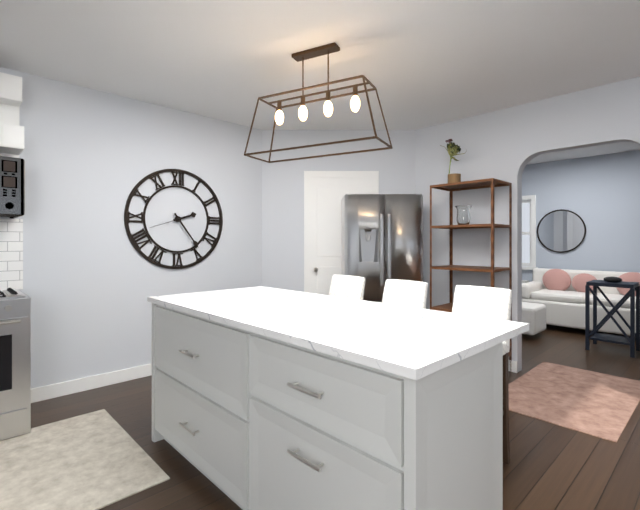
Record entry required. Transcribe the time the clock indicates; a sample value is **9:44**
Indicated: **2:24**
